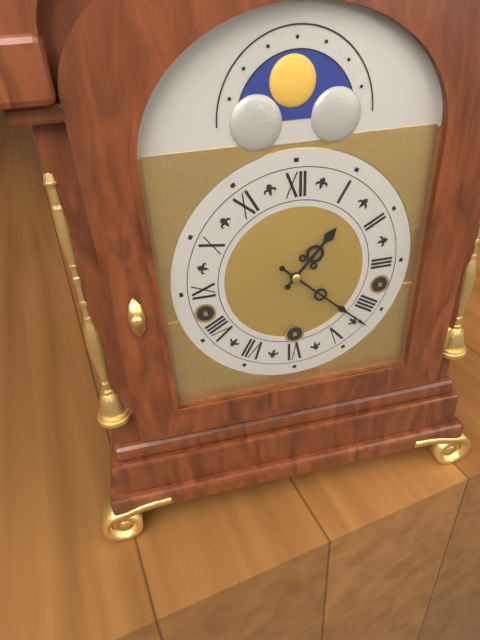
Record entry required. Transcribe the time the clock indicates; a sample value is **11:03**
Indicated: **1:22**
